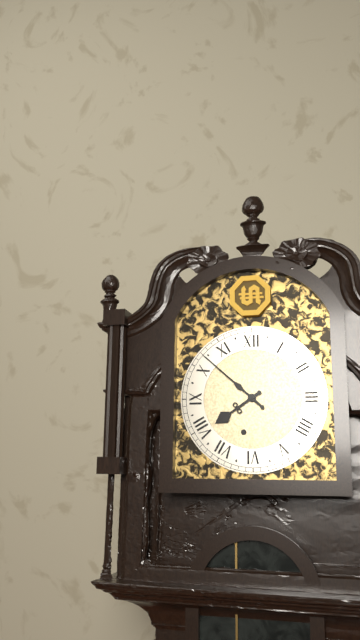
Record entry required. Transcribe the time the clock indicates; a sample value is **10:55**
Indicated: **7:52**
